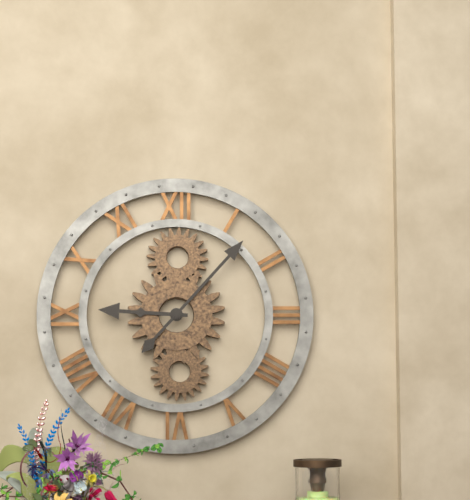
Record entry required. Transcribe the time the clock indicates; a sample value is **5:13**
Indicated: **9:07**
